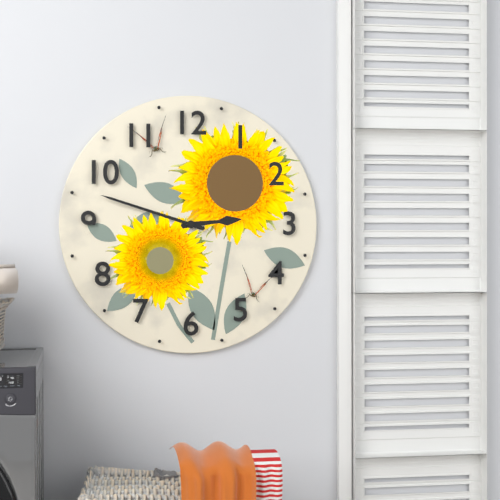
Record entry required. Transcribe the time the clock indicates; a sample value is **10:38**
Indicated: **2:48**
